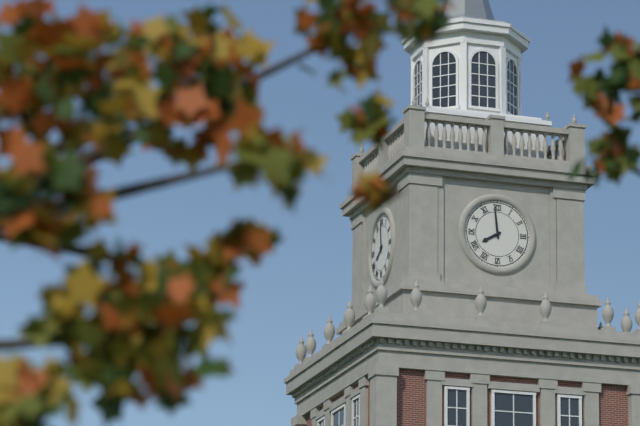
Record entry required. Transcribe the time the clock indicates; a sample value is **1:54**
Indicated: **7:59**
